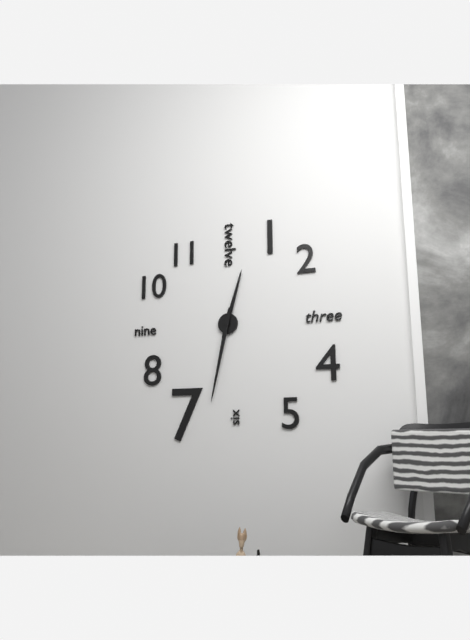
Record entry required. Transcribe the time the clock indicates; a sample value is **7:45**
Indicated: **12:32**
